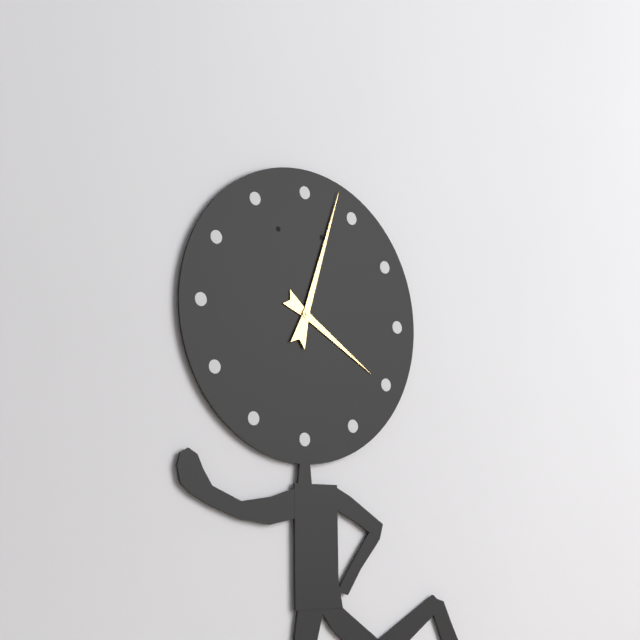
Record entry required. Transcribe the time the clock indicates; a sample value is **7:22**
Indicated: **4:03**
